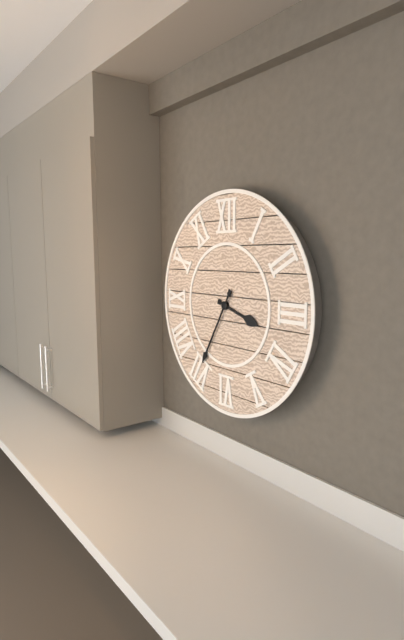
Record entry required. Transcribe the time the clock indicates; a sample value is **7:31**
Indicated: **3:35**
